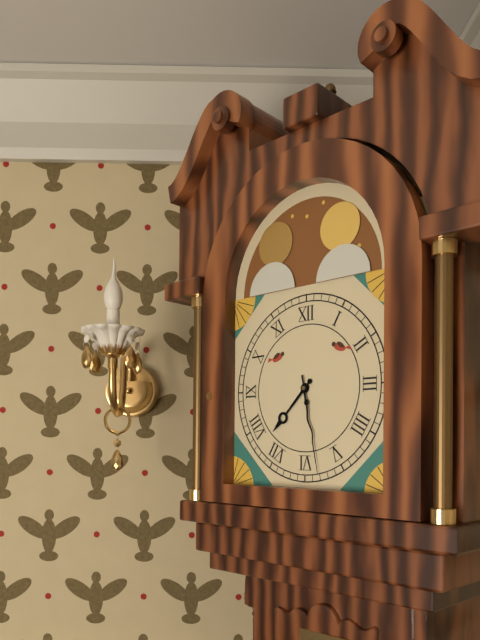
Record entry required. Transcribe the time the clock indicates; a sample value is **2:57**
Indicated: **7:28**
